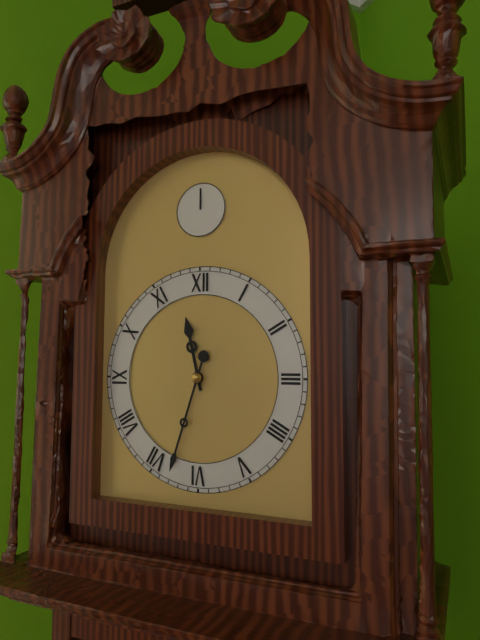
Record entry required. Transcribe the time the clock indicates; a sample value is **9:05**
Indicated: **11:33**
